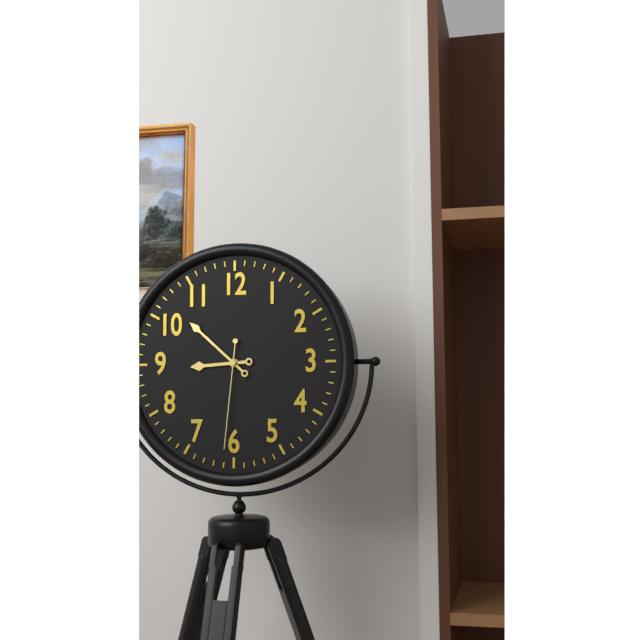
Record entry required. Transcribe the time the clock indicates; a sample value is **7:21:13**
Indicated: **8:52:31**
